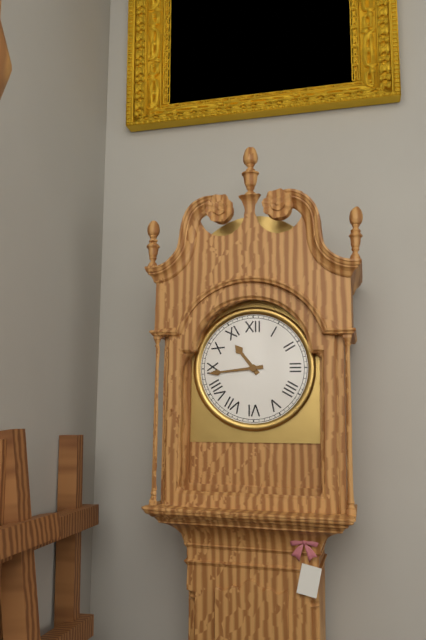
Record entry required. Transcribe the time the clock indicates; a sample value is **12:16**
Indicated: **10:44**
